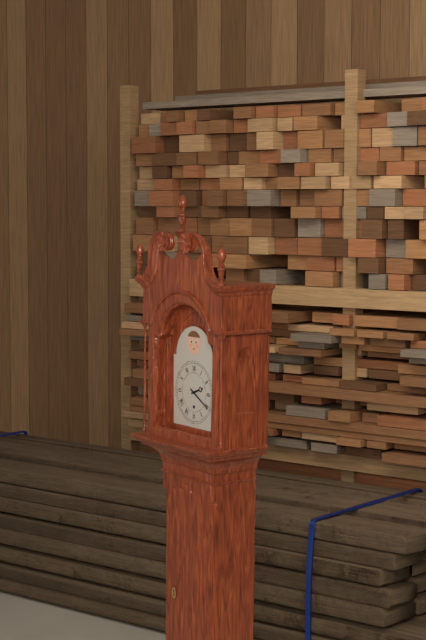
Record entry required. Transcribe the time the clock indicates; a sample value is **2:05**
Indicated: **2:20**
